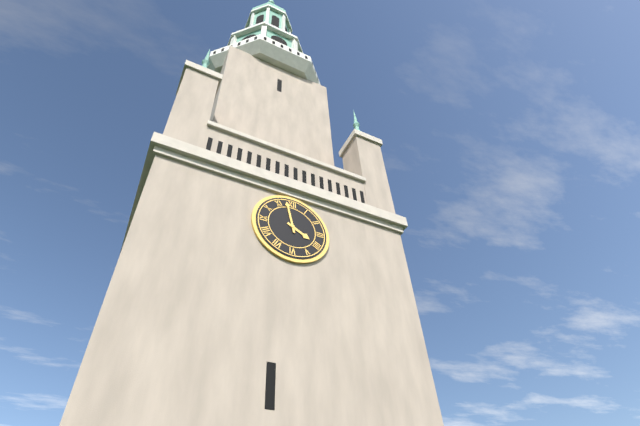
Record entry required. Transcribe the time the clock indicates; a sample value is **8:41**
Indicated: **3:58**
